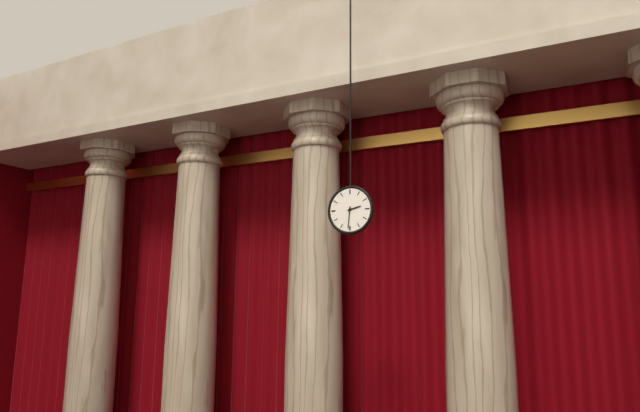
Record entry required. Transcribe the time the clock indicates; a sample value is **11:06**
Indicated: **2:31**
